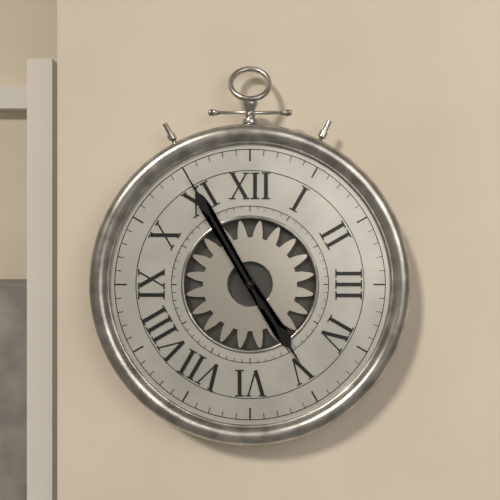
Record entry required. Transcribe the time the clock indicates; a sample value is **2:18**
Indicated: **4:55**
